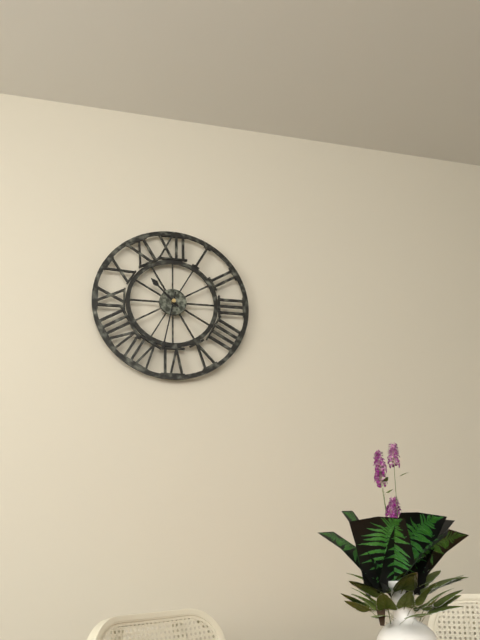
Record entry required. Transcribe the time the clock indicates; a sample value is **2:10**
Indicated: **10:32**
